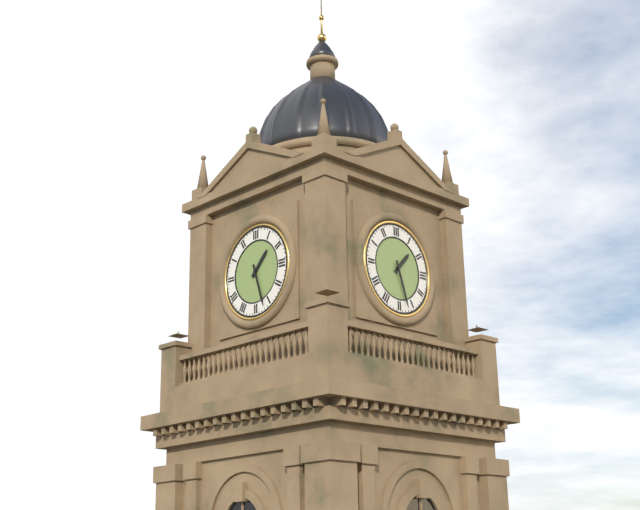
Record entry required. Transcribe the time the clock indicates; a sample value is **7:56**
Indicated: **1:27**
